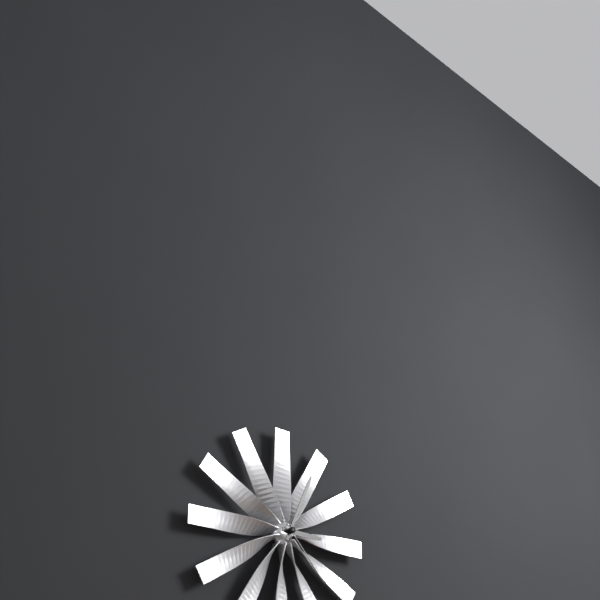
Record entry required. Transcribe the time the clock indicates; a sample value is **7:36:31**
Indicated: **3:04:23**
